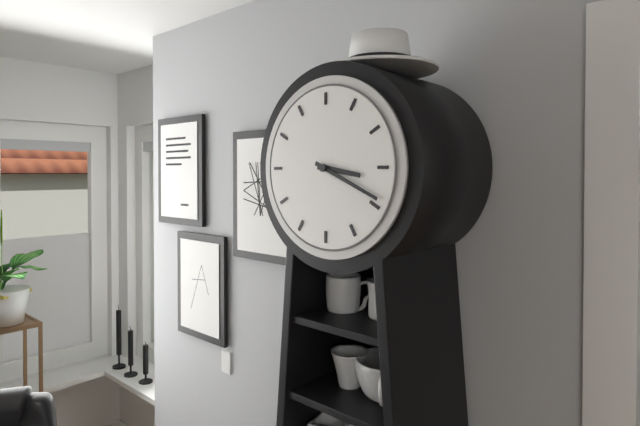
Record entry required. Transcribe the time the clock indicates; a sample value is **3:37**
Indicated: **3:19**
